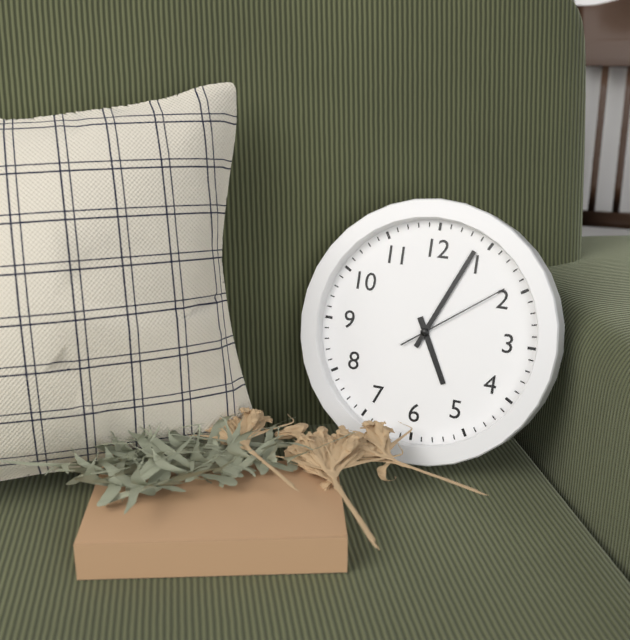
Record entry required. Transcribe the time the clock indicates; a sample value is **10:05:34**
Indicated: **5:04:09**
